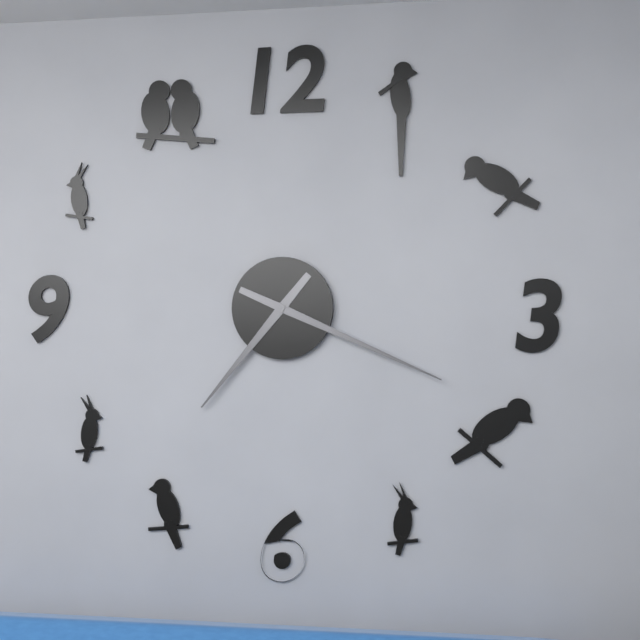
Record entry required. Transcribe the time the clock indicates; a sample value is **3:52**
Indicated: **7:19**
